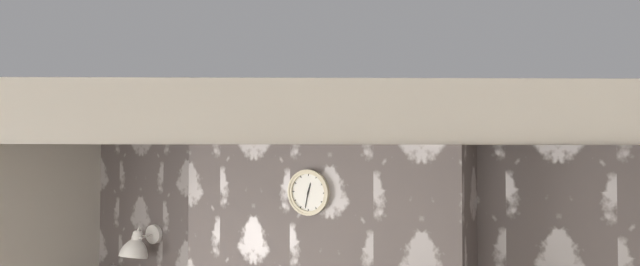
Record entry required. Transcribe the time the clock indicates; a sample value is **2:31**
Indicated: **12:32**
